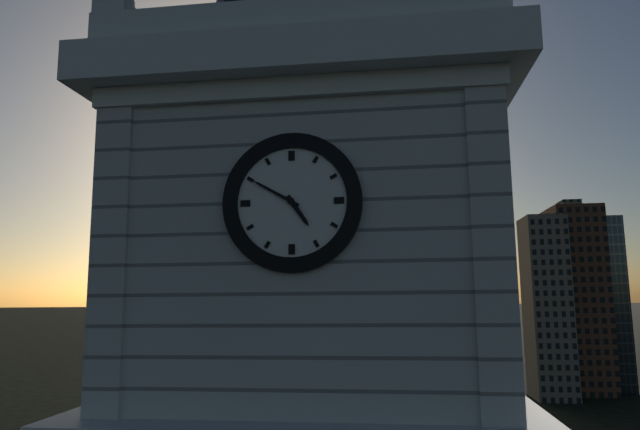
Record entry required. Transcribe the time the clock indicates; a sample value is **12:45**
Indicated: **4:50**
